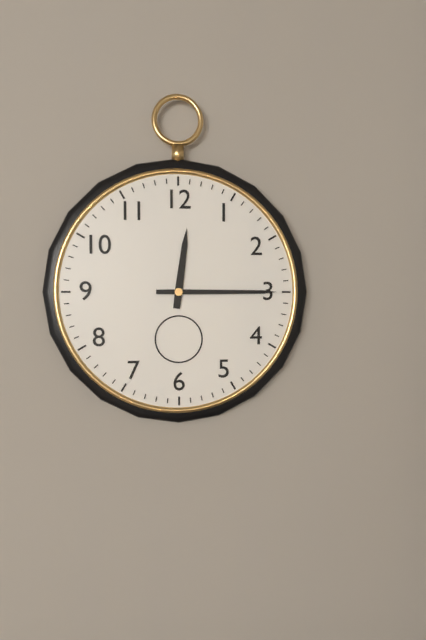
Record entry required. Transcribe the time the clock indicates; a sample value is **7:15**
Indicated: **12:15**
